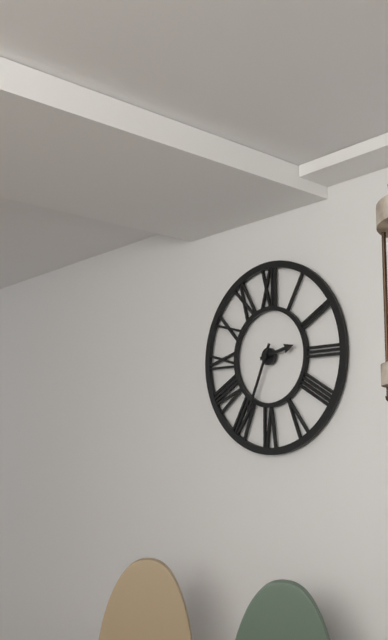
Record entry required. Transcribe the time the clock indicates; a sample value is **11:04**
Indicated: **2:34**
